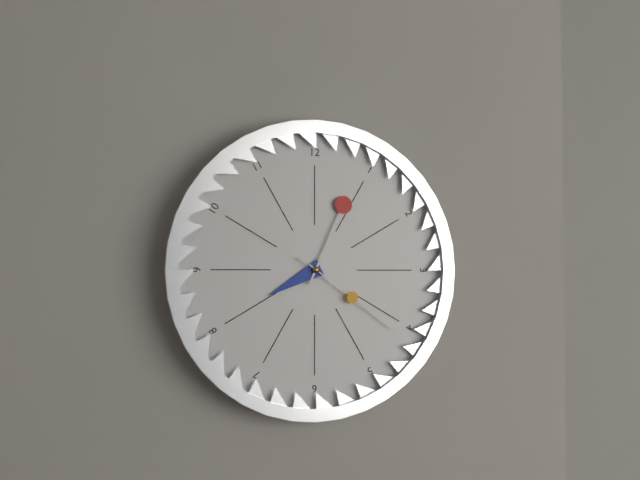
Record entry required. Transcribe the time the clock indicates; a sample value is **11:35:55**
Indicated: **8:04:21**
